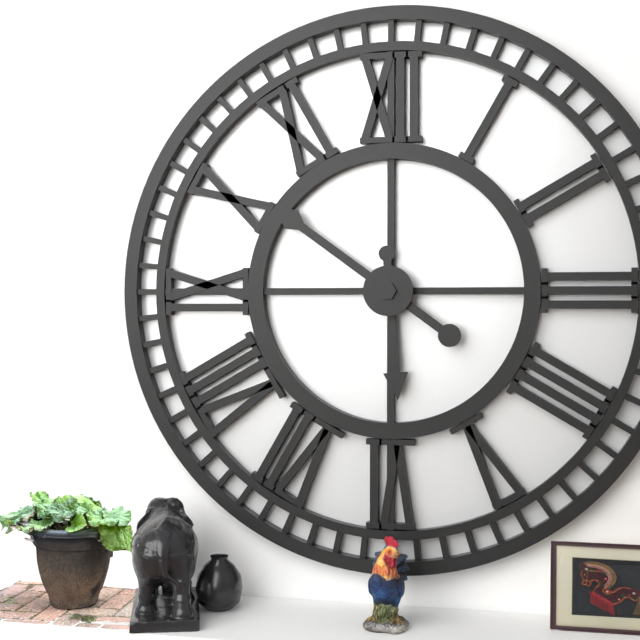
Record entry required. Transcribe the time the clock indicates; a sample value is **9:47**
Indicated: **5:51**
